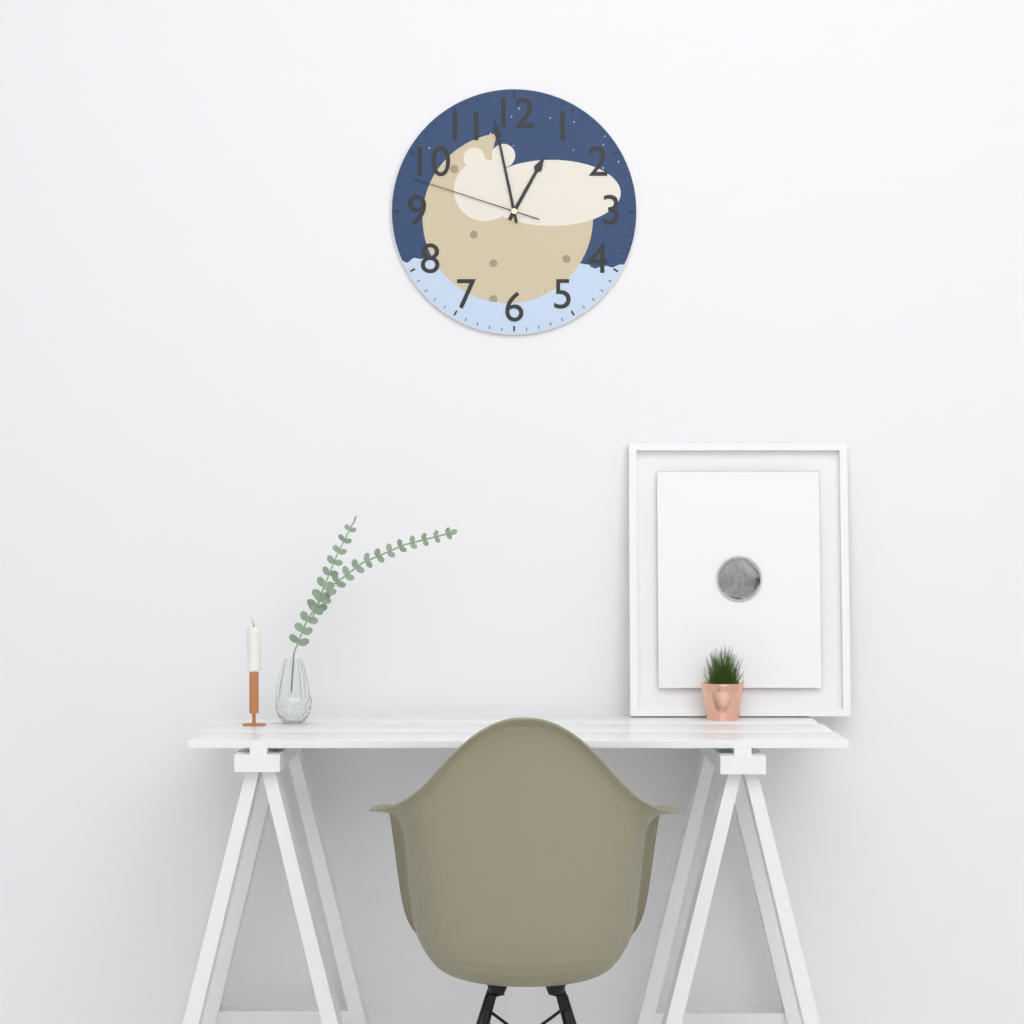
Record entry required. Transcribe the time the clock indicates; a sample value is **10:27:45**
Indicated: **12:58:48**
